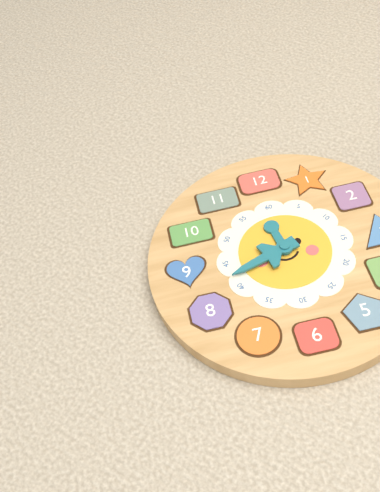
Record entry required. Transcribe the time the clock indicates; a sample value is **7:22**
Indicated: **11:42**
